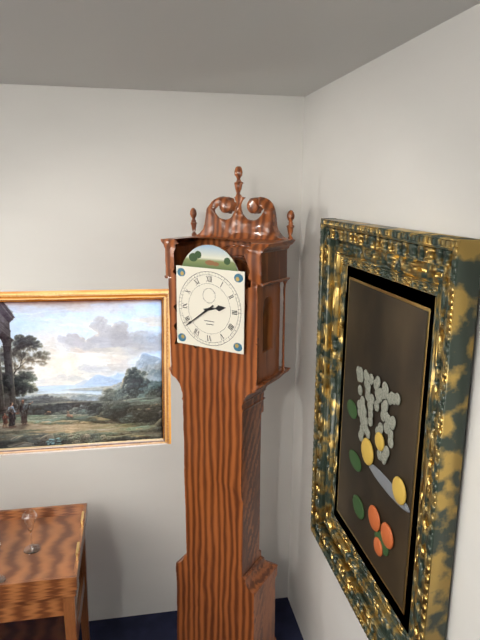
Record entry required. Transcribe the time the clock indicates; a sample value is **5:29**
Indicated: **2:39**
